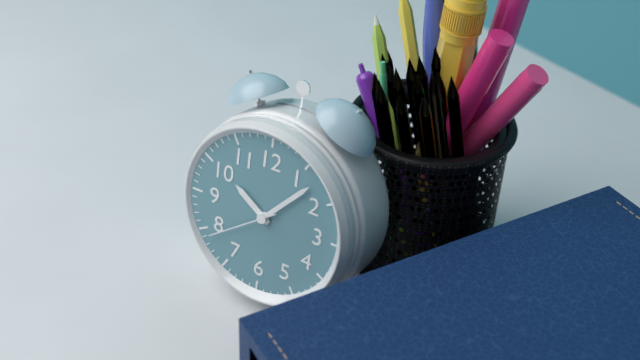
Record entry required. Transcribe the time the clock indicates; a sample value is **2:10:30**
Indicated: **10:07:39**
